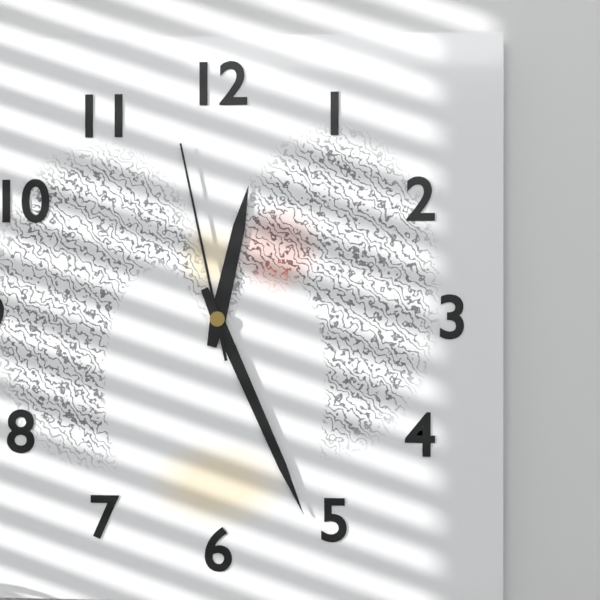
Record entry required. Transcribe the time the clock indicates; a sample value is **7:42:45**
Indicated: **12:26:58**
